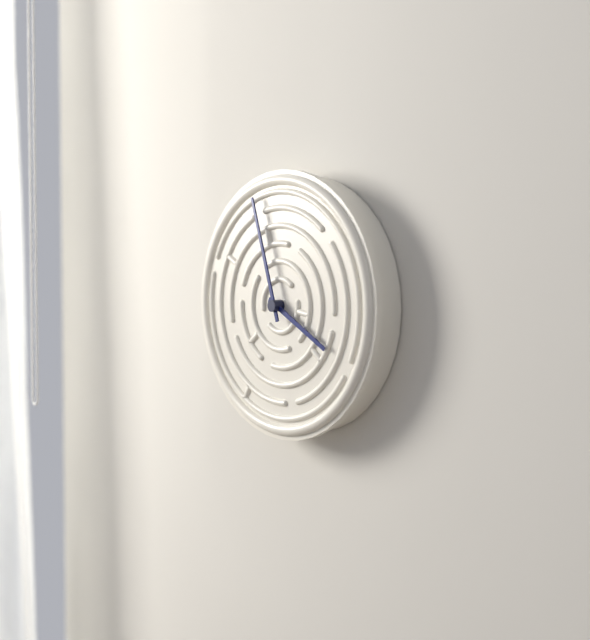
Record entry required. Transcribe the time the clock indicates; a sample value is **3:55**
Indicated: **3:57**
